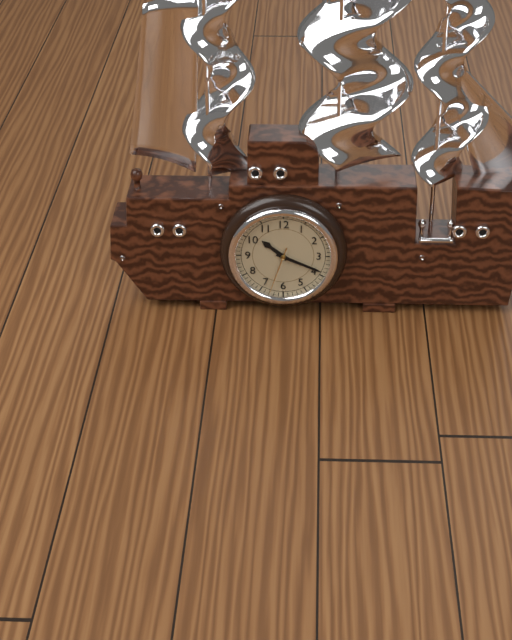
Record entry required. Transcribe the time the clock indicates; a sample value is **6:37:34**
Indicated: **10:19:33**
